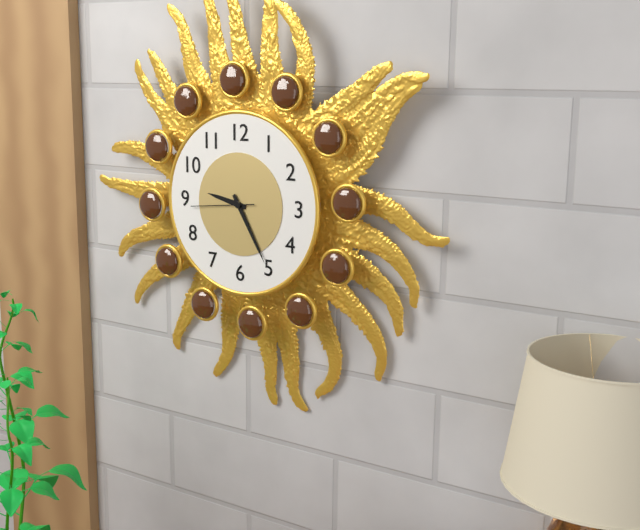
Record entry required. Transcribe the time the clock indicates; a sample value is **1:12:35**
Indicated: **9:25:44**
